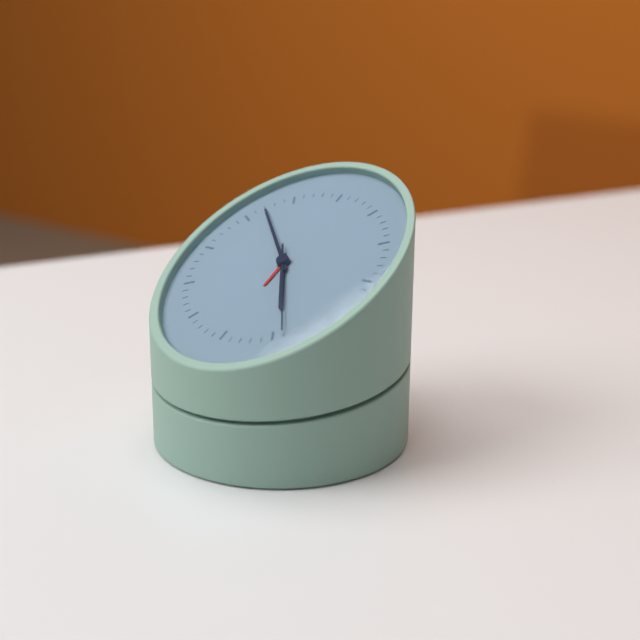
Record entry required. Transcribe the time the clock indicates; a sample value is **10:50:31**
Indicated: **4:52:24**
